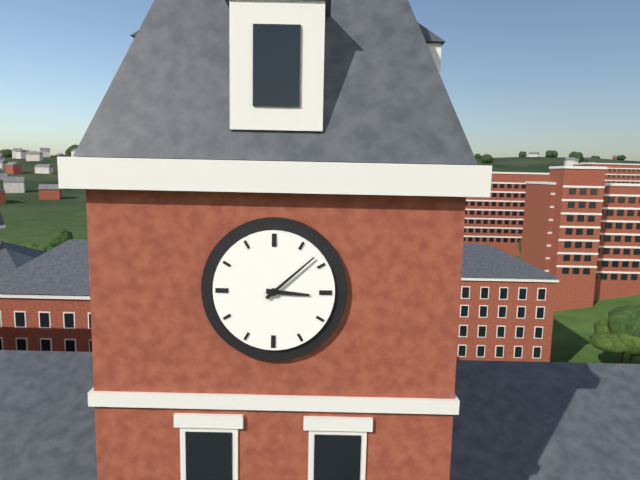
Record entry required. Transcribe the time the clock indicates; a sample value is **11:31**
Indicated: **3:08**
